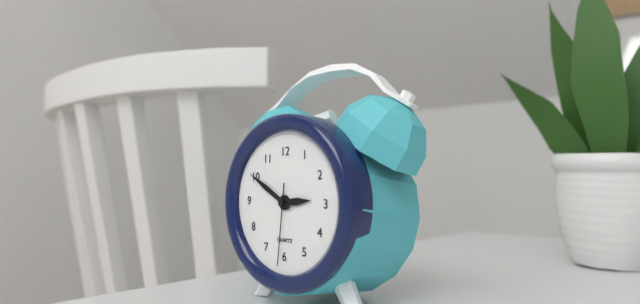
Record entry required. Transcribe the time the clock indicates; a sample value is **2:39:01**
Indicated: **2:50:31**
